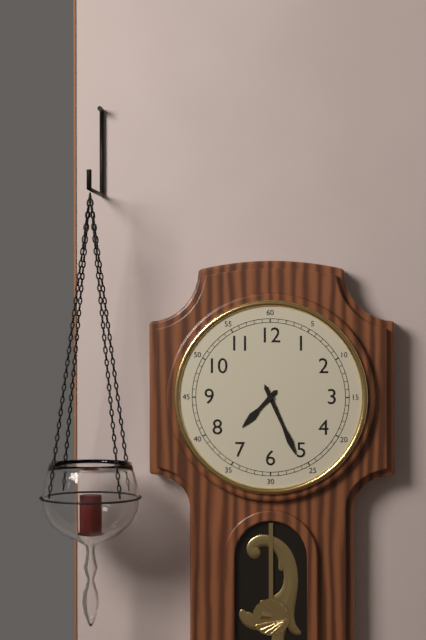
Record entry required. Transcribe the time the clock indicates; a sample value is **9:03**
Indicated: **7:26**
